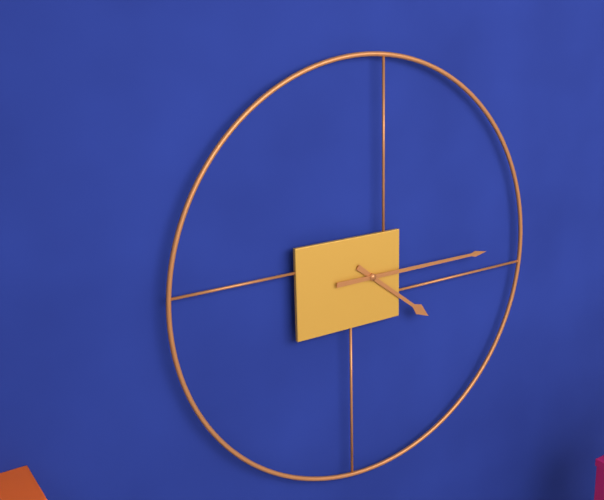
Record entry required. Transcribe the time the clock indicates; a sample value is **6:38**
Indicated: **4:15**
